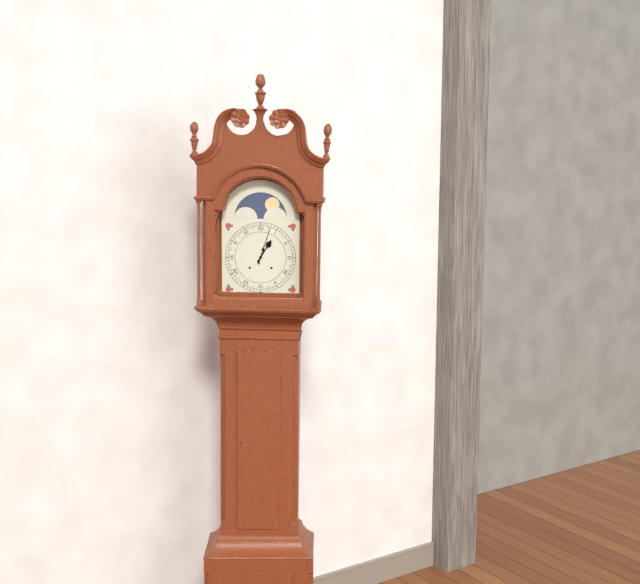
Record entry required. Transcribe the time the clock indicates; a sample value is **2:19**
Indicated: **1:03**
